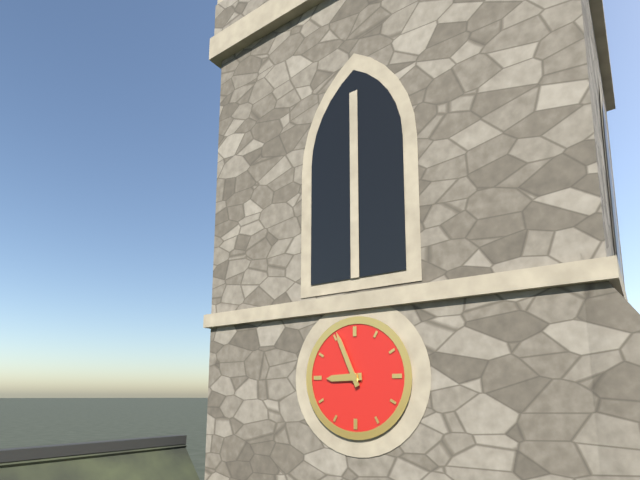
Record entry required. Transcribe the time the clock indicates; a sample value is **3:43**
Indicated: **8:56**
